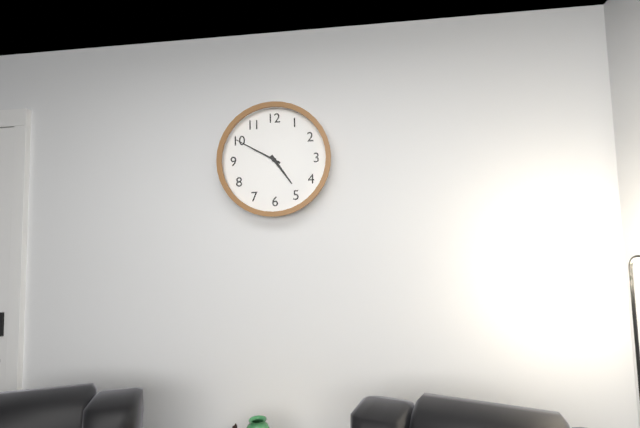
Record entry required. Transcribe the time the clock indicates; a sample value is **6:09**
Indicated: **4:50**
